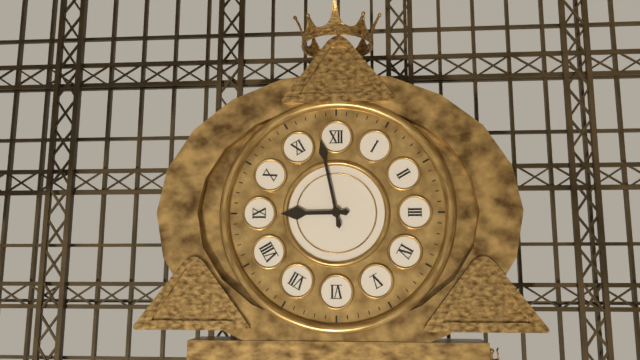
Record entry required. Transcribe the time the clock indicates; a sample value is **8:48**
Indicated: **8:58**
